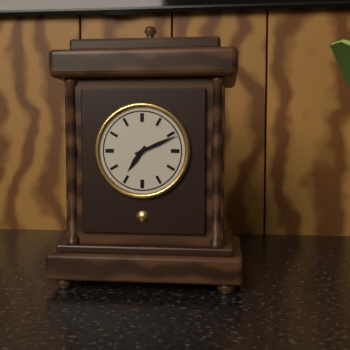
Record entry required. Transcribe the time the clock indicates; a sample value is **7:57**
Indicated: **7:11**
